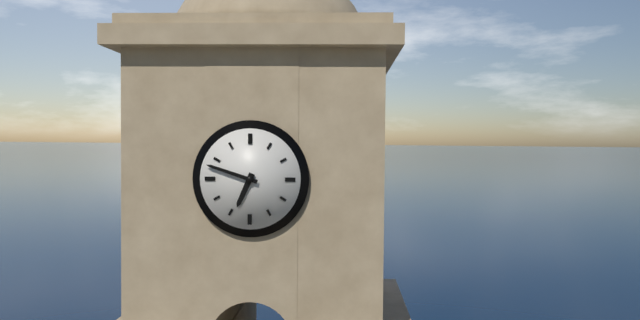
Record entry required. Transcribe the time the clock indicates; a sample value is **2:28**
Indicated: **6:48**
